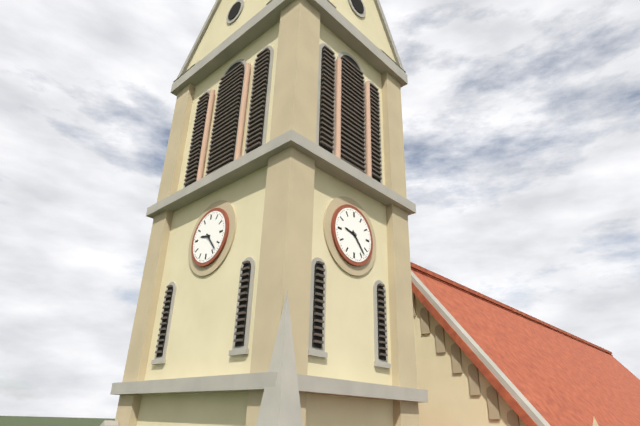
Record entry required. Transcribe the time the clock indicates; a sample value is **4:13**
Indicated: **9:23**
